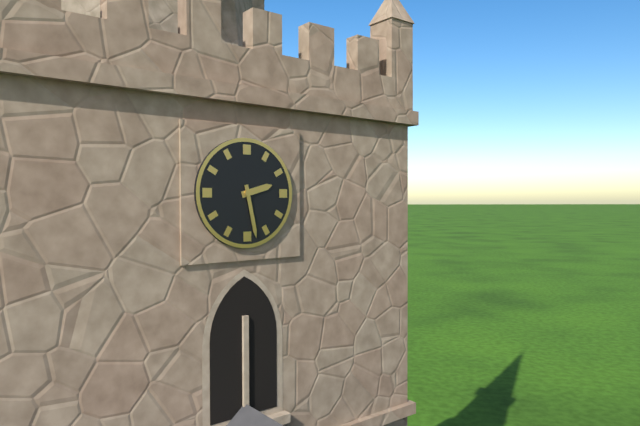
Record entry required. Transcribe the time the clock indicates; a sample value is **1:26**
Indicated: **2:28**
